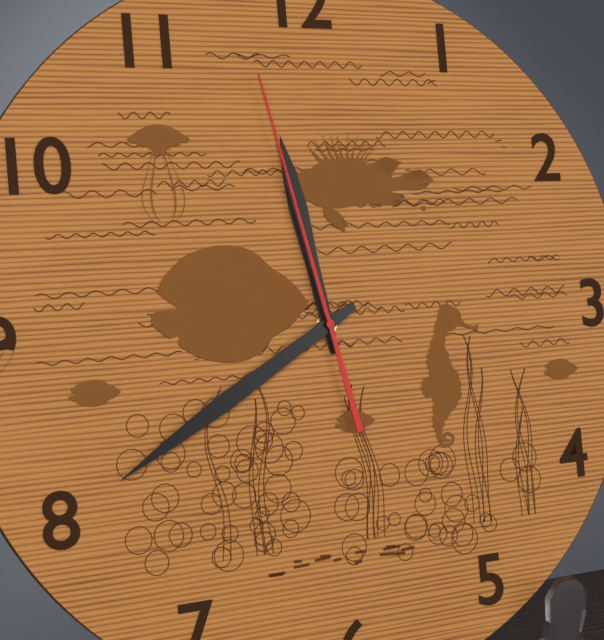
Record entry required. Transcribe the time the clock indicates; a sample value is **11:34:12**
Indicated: **11:40:58**
